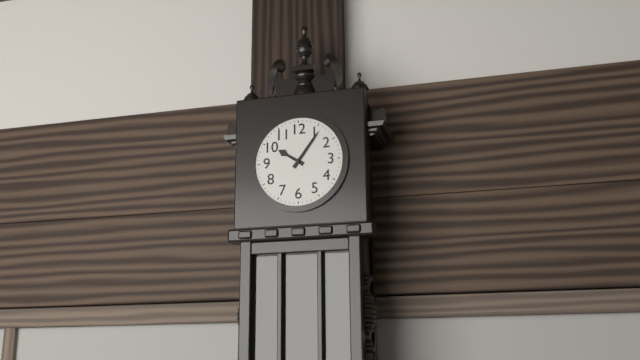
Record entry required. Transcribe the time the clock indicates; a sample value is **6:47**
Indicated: **10:06**
